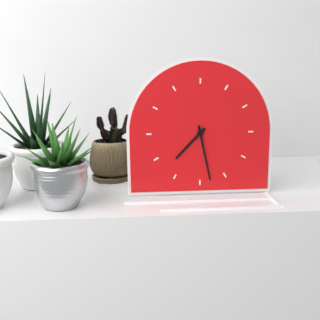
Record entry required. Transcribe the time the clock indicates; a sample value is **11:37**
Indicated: **7:28**
